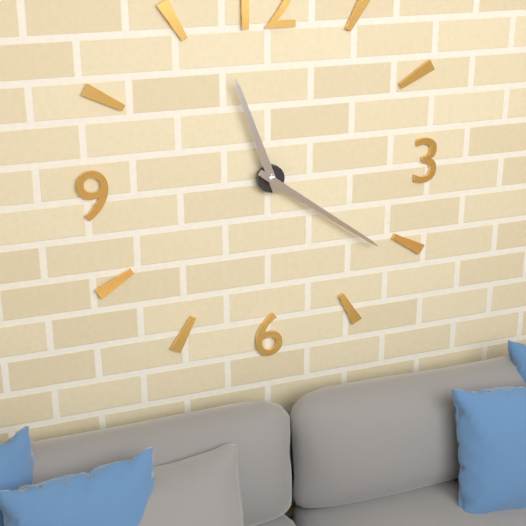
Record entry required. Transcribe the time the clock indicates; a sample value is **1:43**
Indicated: **11:21**
